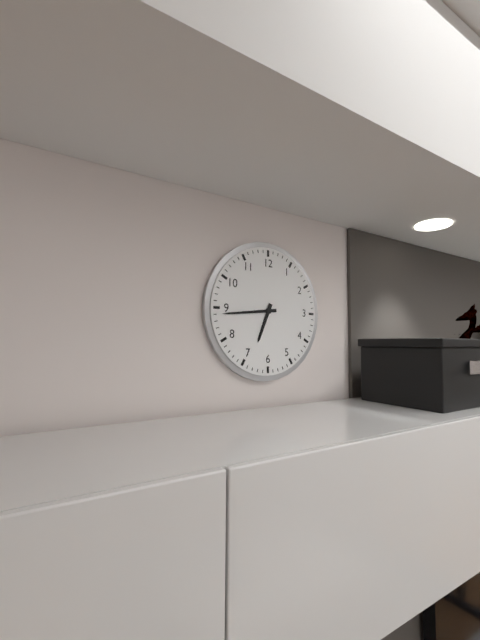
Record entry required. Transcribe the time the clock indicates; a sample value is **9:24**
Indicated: **6:44**
